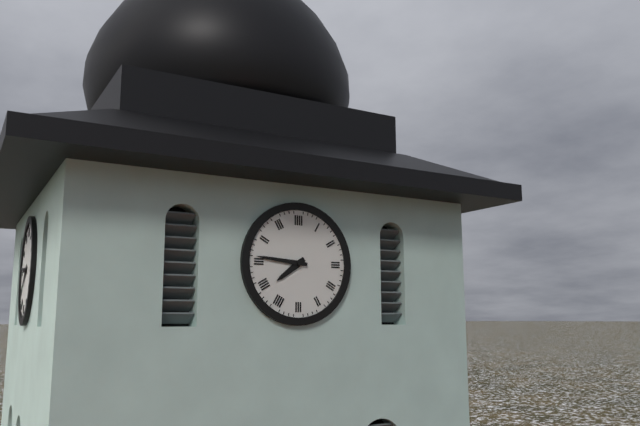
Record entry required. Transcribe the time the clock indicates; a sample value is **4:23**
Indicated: **7:46**
